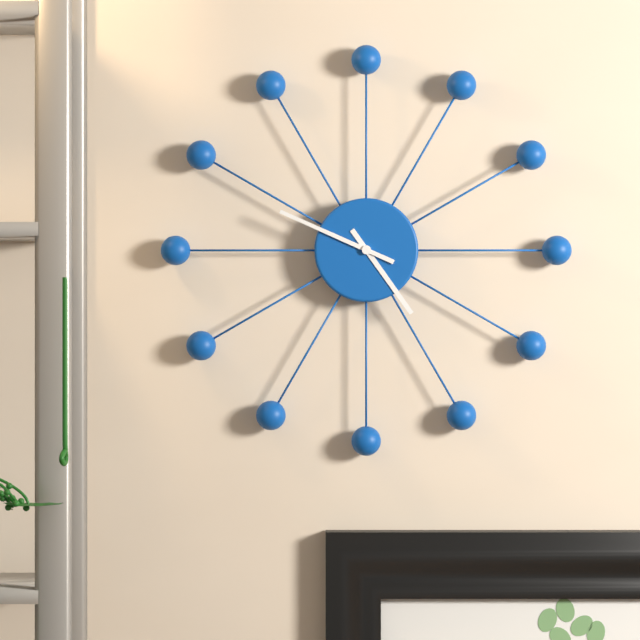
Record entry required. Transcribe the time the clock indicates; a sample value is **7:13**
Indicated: **4:49**
